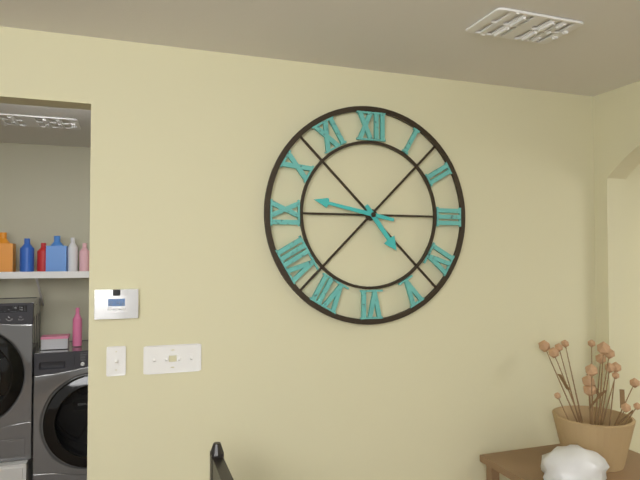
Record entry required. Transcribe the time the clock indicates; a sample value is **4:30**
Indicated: **4:47**
